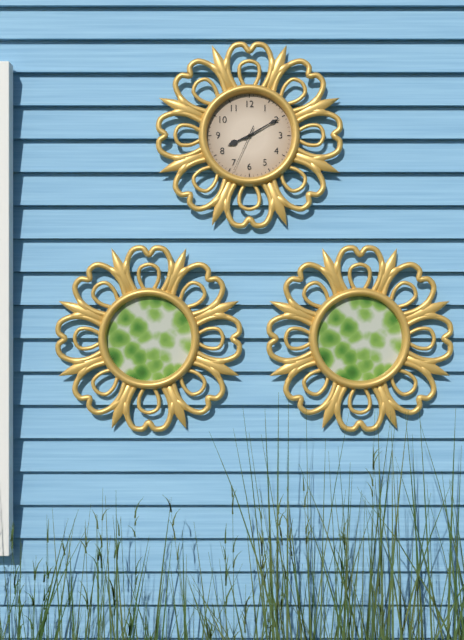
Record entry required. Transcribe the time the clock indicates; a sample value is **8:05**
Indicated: **8:10**
